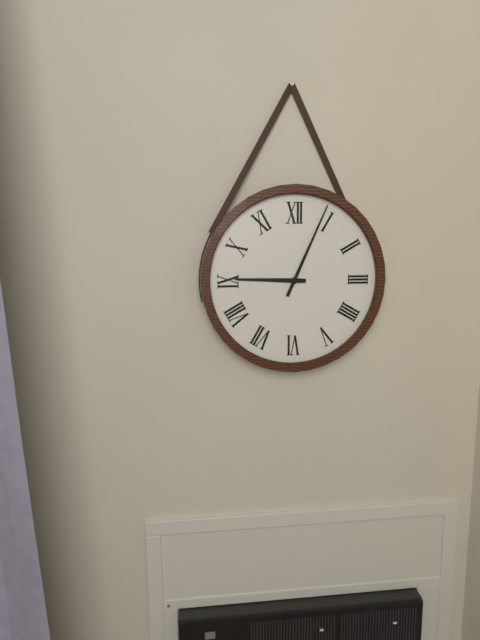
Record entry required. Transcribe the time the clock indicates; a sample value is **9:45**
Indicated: **9:04**
